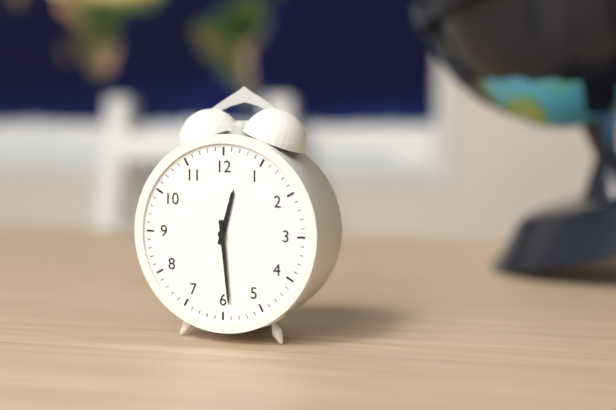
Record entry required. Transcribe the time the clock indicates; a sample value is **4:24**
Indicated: **12:29**
